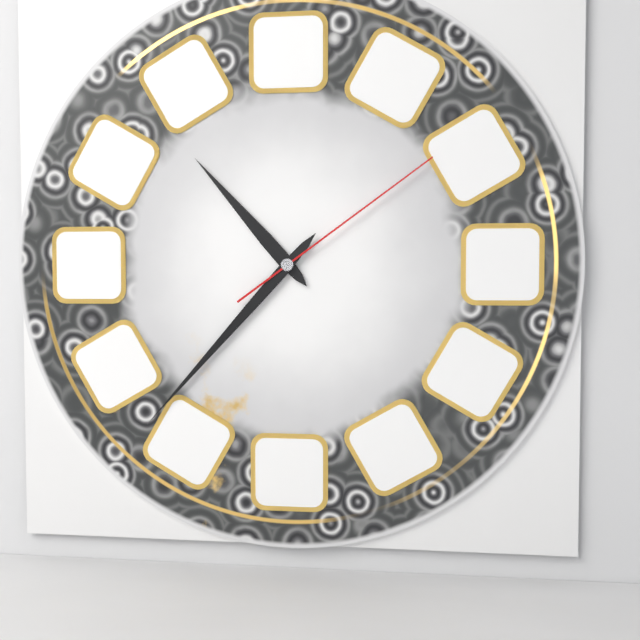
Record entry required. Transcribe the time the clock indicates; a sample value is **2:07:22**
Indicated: **10:37:09**
